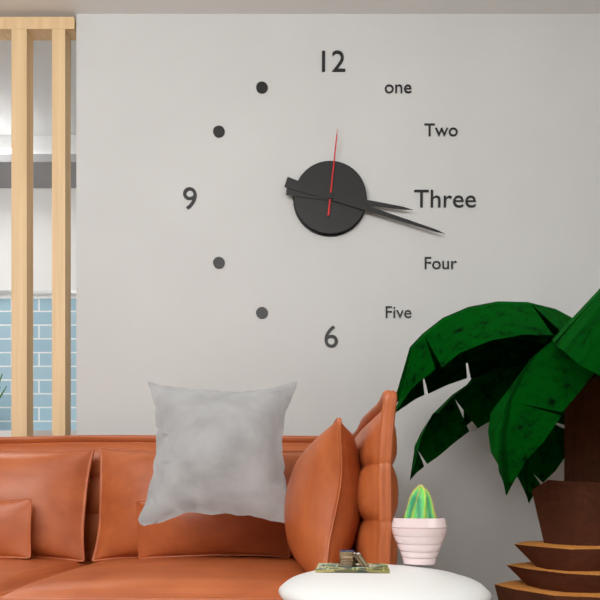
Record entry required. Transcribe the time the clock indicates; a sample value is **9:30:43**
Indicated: **3:18:01**
